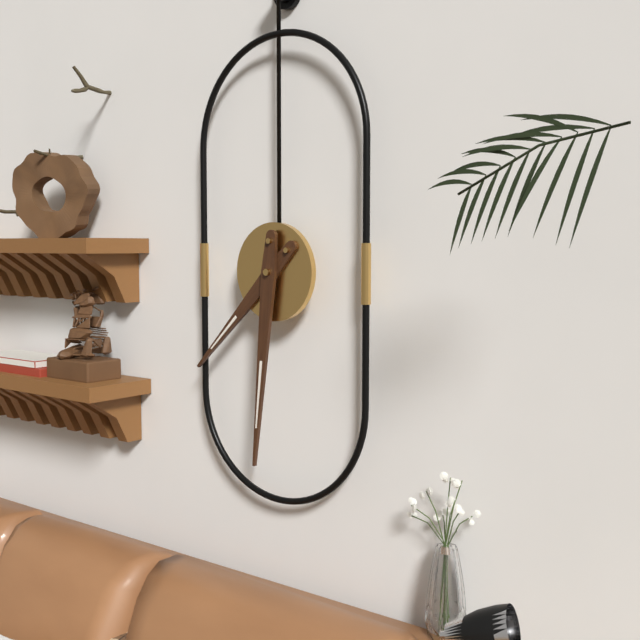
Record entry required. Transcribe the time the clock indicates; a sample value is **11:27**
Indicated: **7:31**
